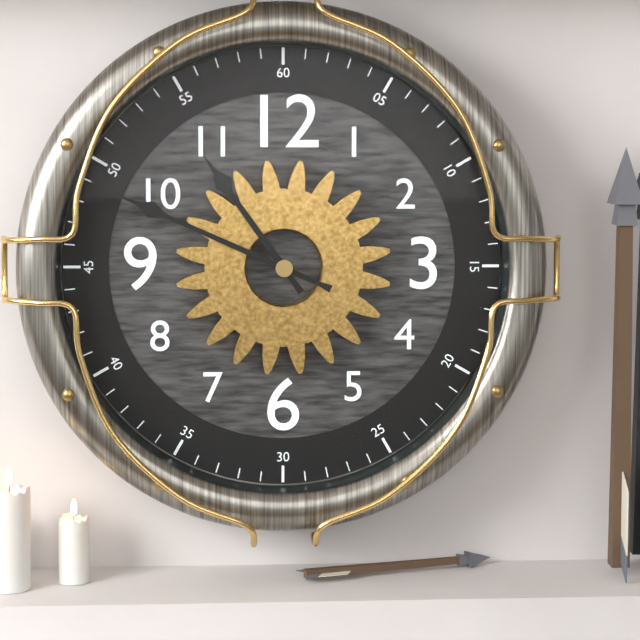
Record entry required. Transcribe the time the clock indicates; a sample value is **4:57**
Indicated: **10:49**
